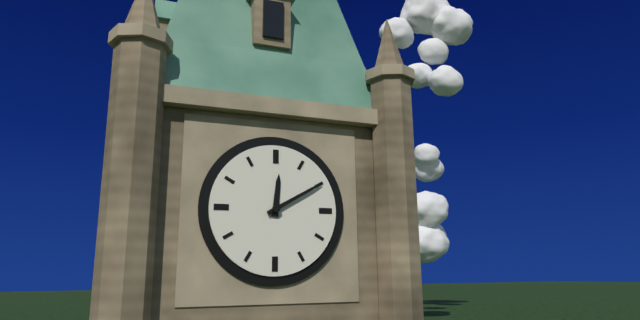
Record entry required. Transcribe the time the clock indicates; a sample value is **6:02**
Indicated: **12:10**
